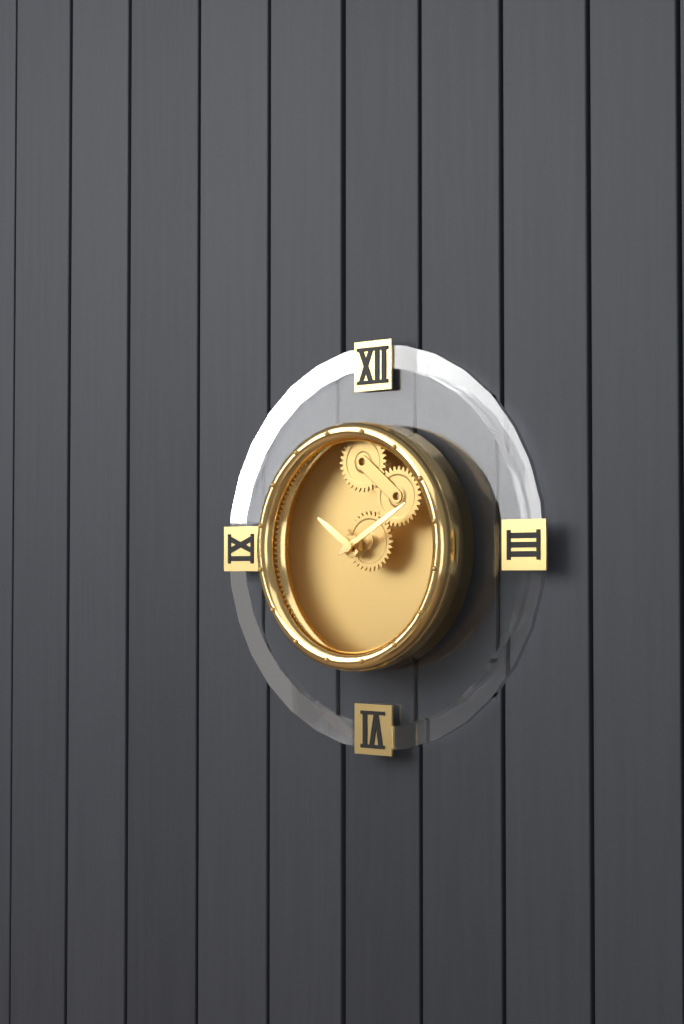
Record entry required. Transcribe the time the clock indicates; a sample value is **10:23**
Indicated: **10:10**
